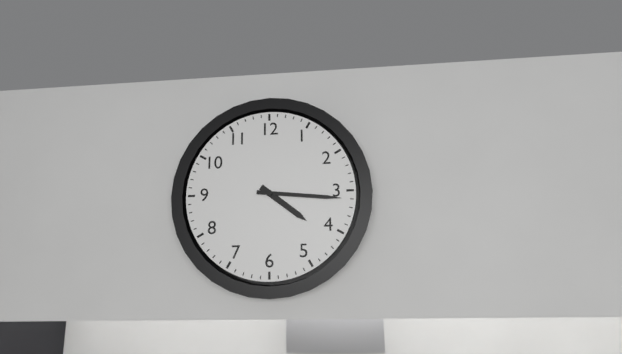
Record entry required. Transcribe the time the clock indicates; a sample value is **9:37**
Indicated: **4:16**
